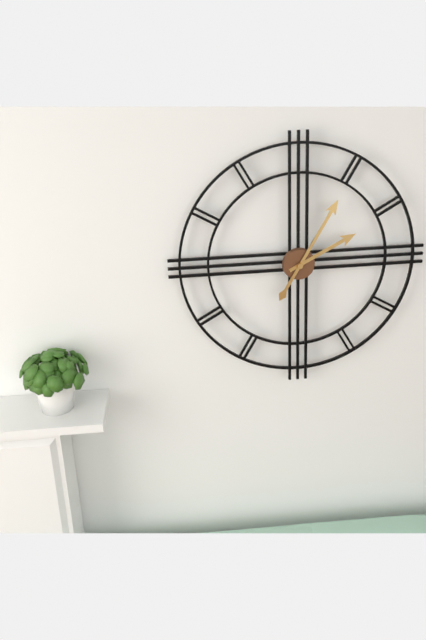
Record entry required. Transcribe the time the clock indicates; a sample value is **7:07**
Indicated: **2:05**
